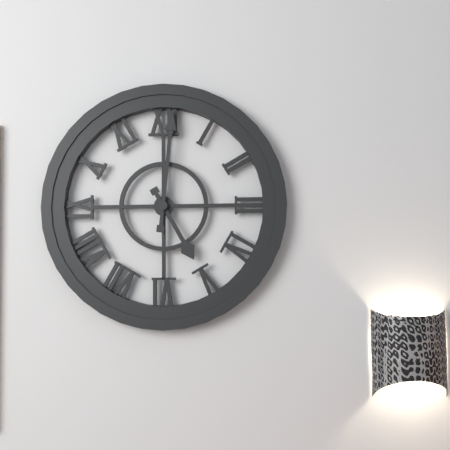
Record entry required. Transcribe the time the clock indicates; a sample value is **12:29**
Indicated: **5:01**
